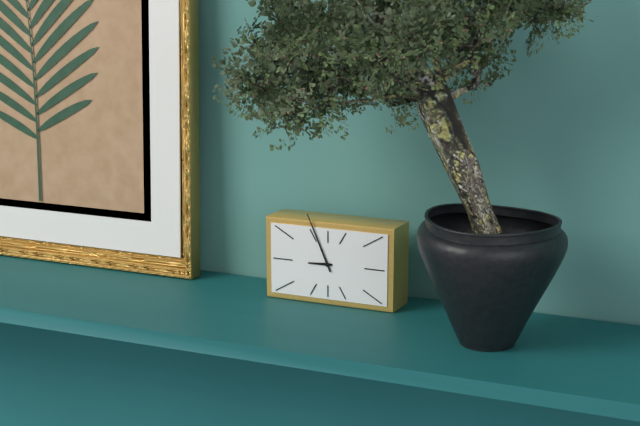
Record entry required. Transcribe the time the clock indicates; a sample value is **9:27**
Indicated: **8:56**
